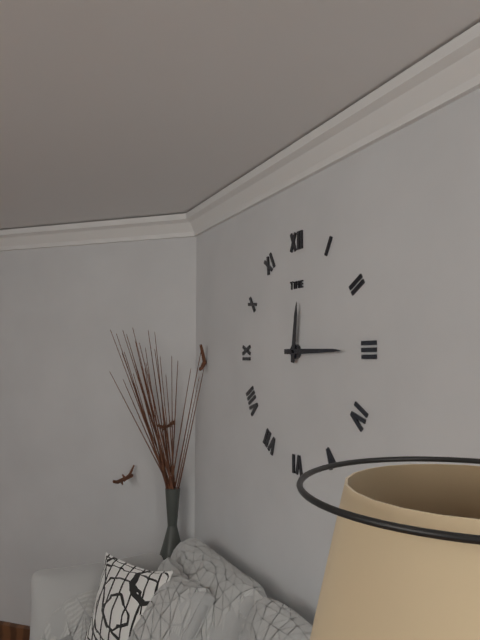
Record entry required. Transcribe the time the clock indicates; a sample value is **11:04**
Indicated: **12:15**
